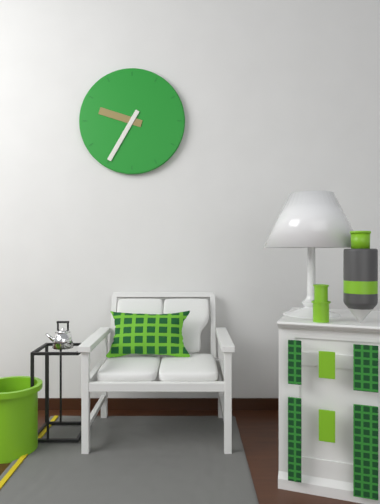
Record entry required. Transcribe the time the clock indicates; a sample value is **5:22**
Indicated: **9:35**
